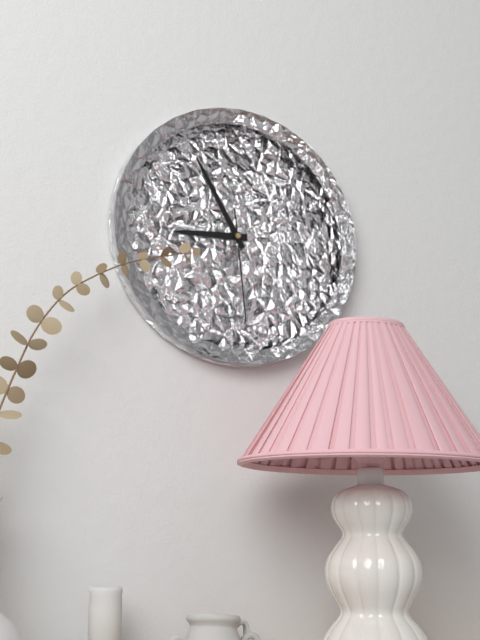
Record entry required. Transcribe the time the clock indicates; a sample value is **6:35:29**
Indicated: **8:55:29**
